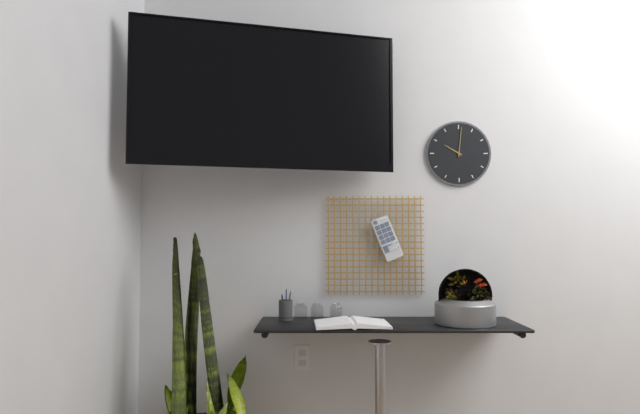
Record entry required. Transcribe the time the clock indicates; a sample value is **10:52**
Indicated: **10:01**
